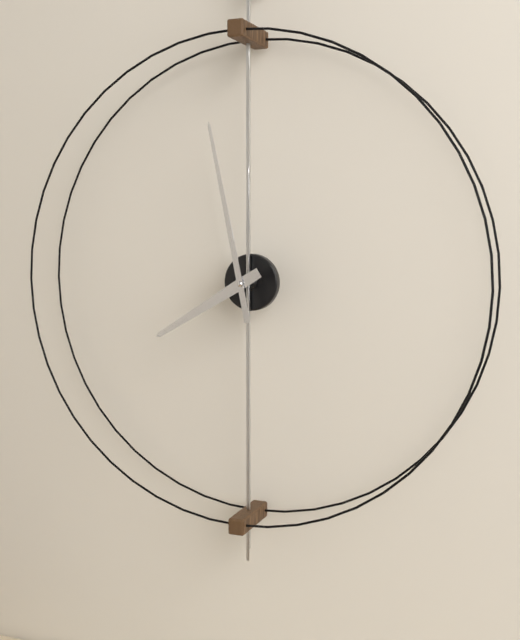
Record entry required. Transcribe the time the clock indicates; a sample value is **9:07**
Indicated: **7:58**
